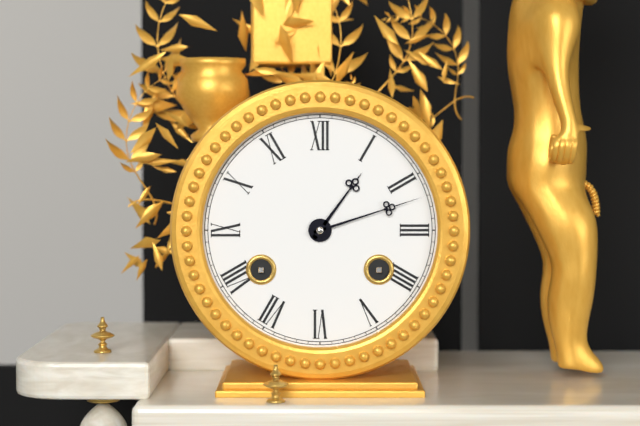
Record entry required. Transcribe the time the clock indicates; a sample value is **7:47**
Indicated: **1:12**
